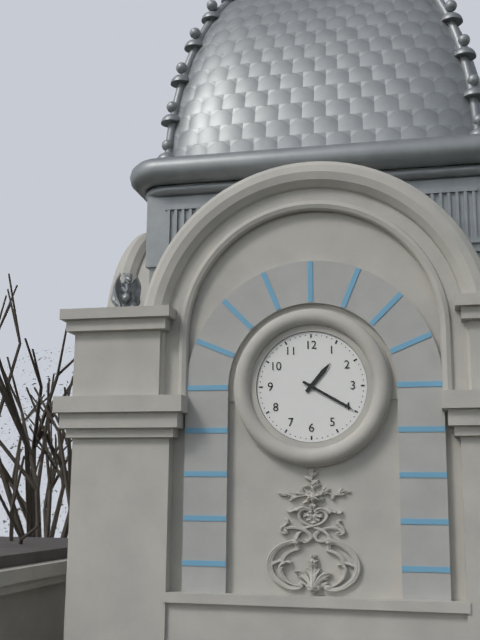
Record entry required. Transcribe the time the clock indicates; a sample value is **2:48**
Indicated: **1:20**
